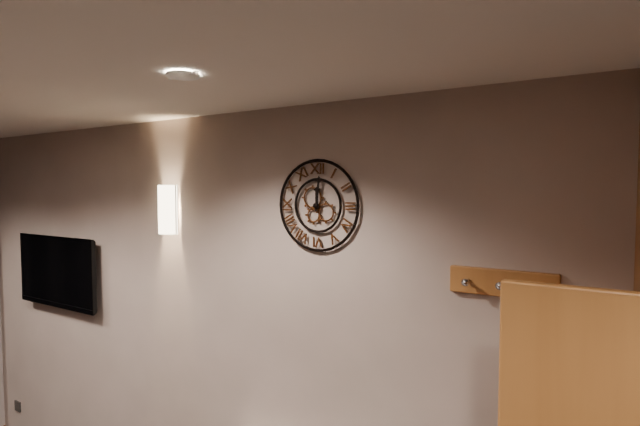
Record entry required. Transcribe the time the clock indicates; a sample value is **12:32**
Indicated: **12:01**
